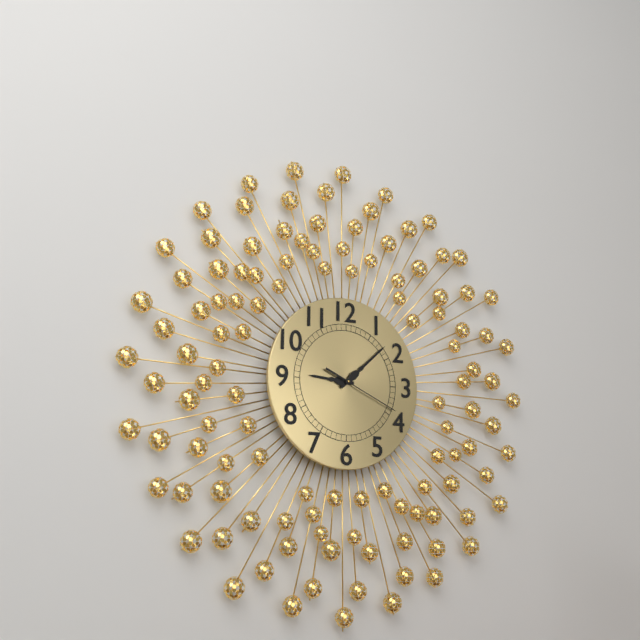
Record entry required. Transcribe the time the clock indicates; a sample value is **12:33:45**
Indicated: **9:08:19**
